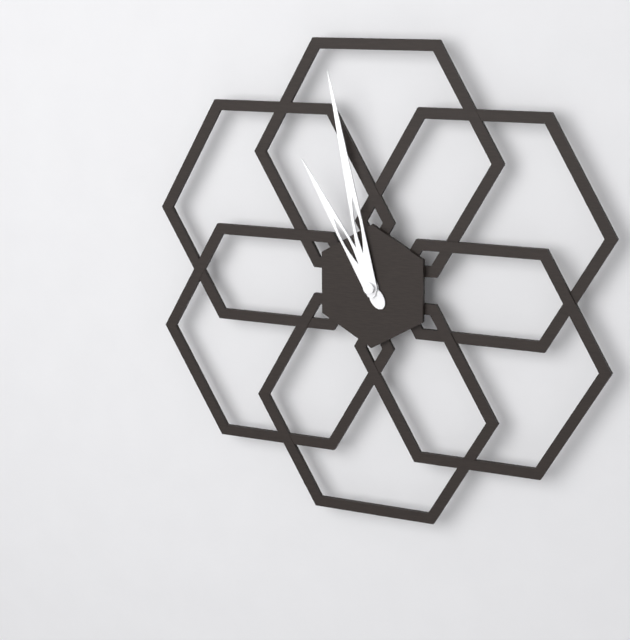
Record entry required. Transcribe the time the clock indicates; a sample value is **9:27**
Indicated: **10:58**
